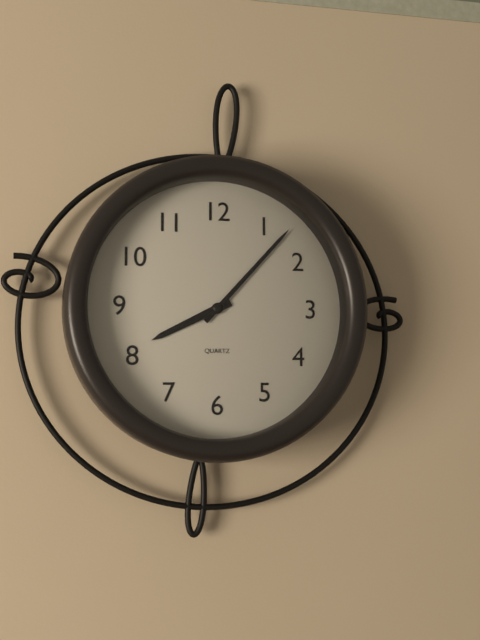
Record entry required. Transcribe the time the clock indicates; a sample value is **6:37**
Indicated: **8:07**
